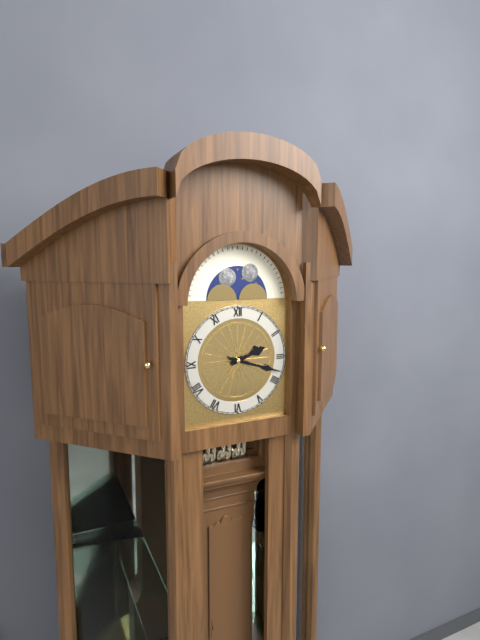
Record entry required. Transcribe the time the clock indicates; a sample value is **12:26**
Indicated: **2:18**
